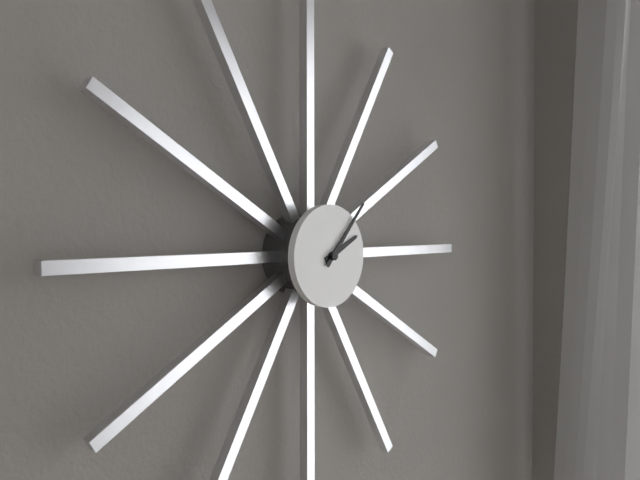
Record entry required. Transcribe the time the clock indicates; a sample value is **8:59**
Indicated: **2:07**
